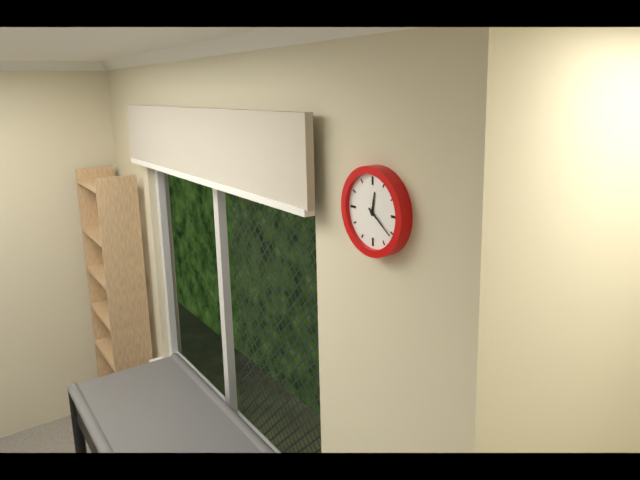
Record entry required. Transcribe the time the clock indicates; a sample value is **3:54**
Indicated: **12:21**
